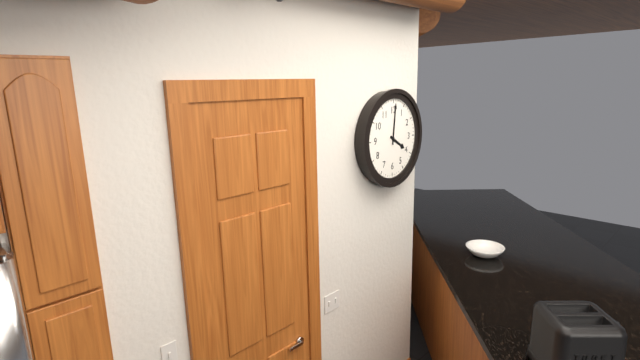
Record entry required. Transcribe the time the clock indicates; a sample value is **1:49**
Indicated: **4:01**
